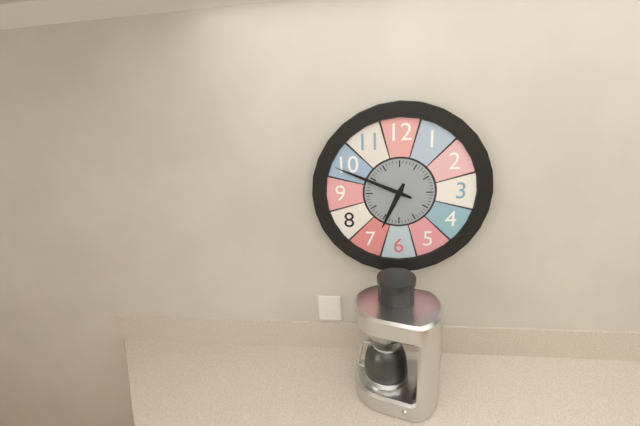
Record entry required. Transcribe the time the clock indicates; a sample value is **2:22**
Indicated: **6:49**
